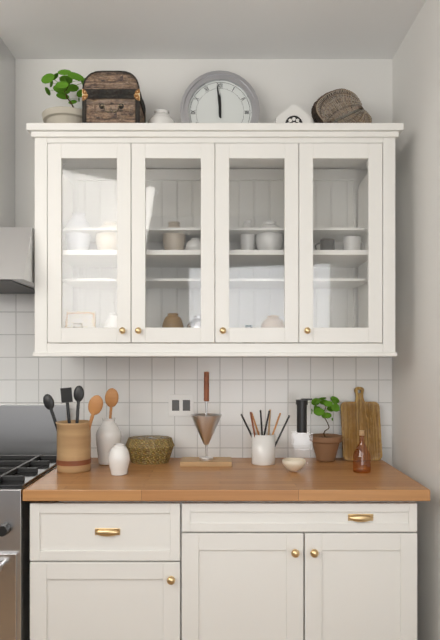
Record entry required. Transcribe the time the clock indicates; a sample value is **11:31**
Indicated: **11:59**
